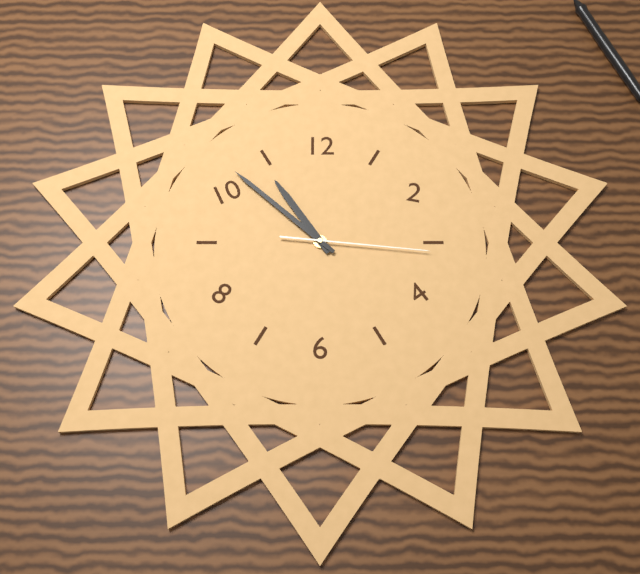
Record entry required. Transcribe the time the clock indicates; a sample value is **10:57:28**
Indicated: **10:52:16**
